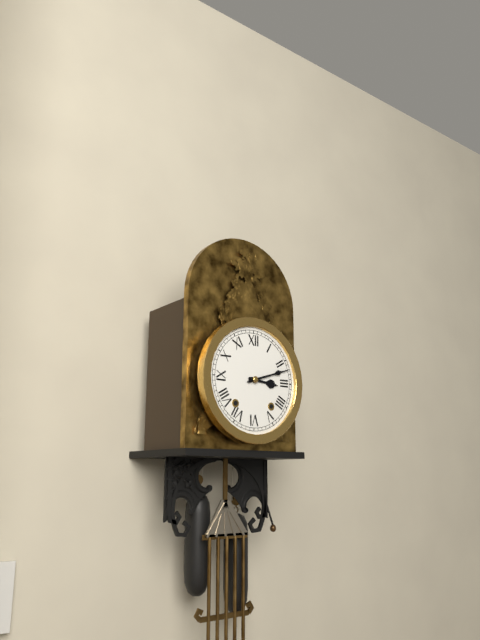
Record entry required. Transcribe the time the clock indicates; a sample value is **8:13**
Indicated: **3:12**
